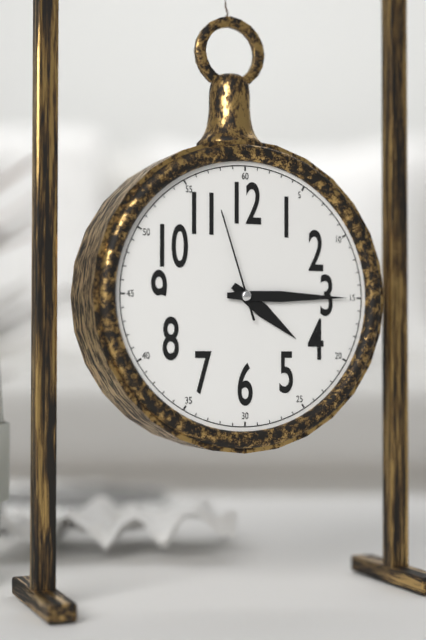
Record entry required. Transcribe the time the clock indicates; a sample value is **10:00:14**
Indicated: **4:15:57**
